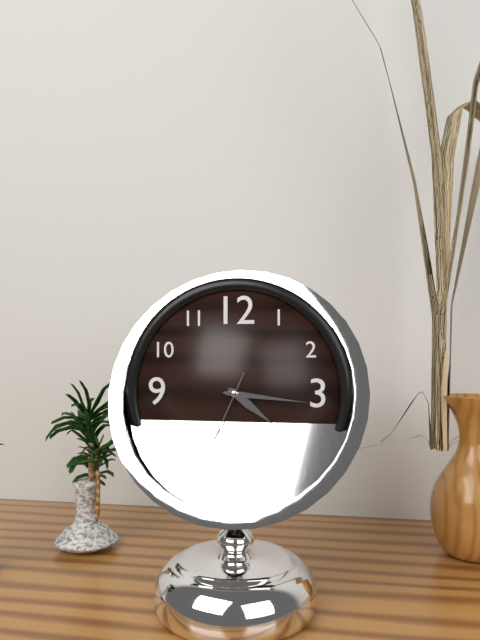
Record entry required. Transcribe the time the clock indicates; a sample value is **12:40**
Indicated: **4:16**
